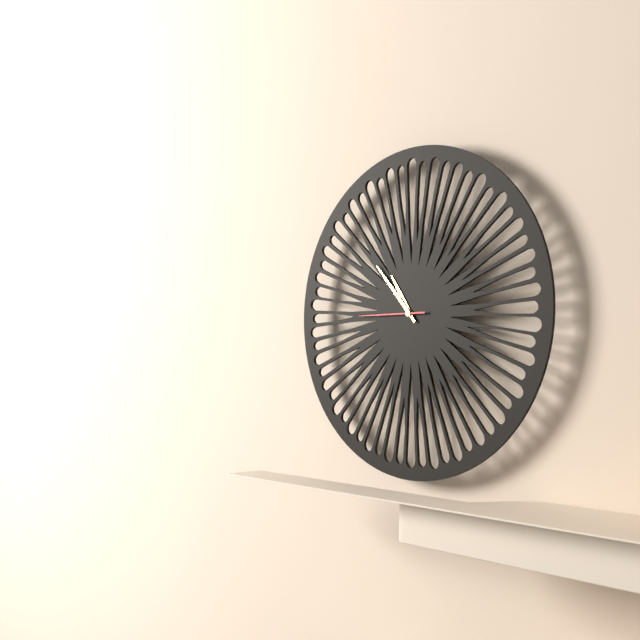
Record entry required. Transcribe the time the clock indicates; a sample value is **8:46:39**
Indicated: **10:53:45**
